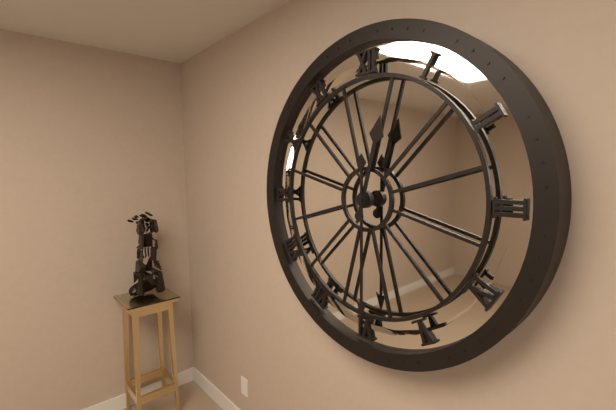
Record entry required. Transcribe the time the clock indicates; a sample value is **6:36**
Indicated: **12:30**
